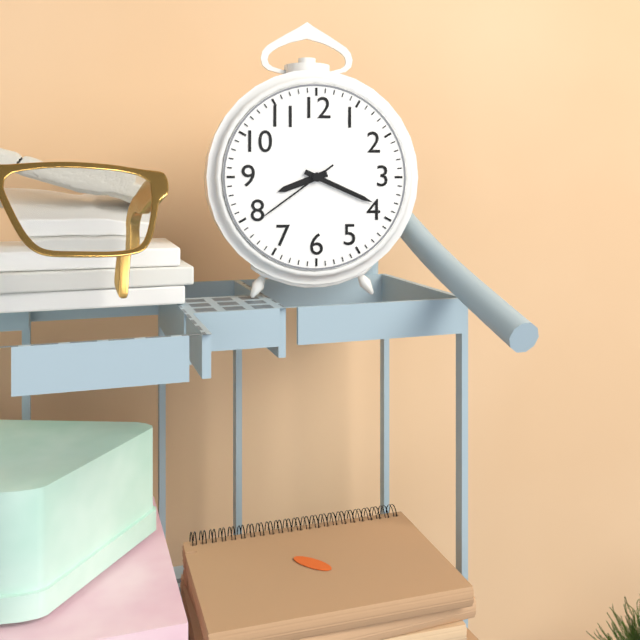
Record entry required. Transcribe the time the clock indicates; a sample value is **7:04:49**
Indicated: **8:19:39**
